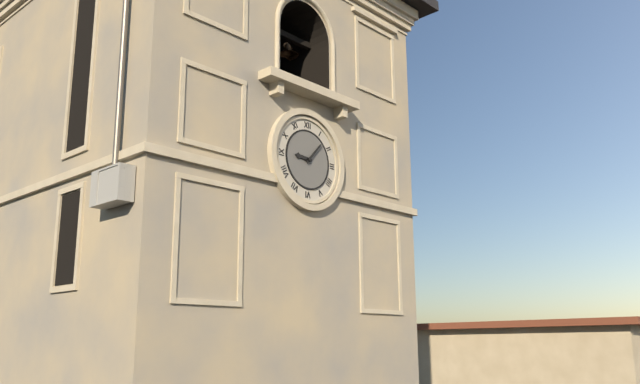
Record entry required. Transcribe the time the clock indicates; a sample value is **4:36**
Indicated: **9:07**
